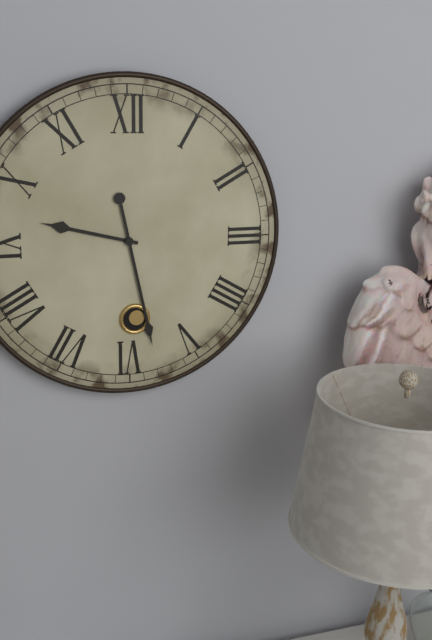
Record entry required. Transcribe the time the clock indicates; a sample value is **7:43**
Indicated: **9:28**
